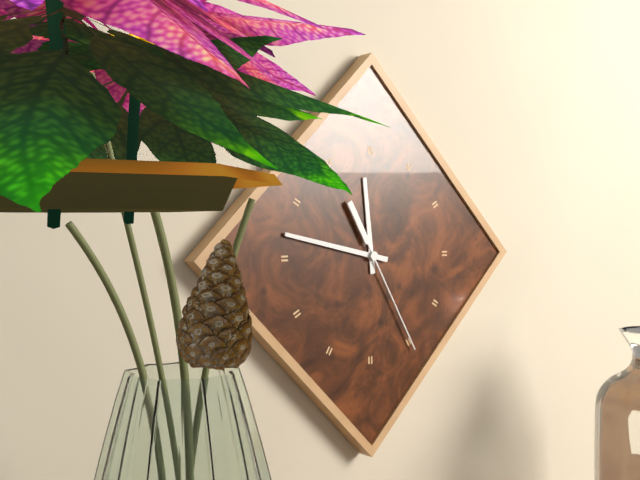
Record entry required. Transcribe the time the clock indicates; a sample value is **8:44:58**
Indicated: **11:47:25**
